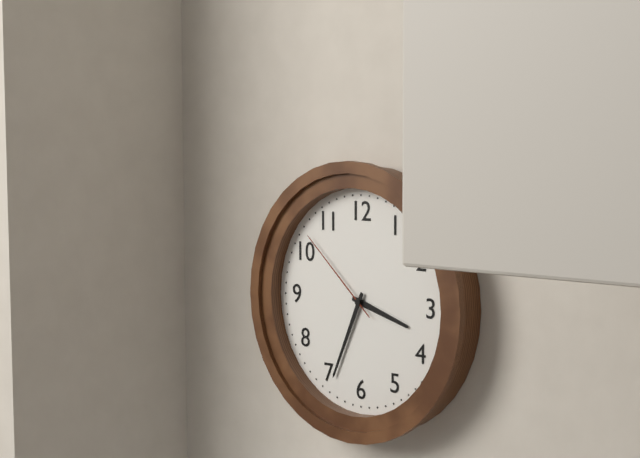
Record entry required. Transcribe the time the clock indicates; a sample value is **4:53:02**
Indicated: **3:34:52**
